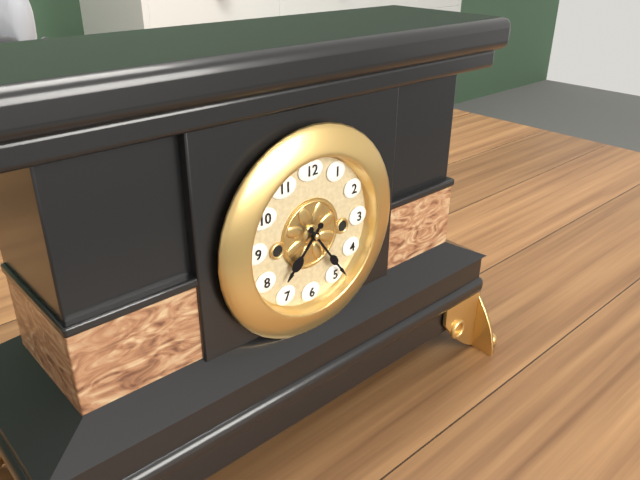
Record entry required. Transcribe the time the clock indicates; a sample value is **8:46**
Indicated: **7:24**
